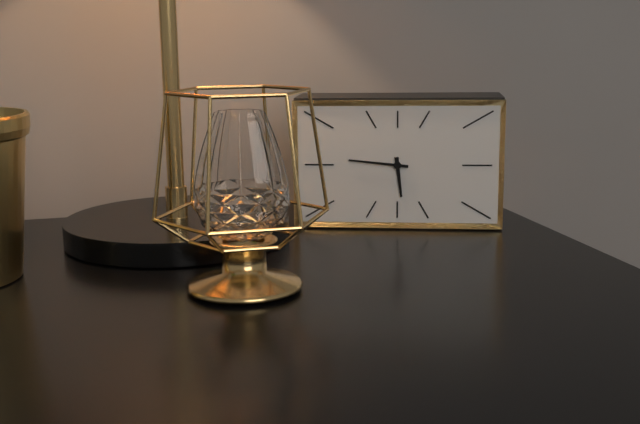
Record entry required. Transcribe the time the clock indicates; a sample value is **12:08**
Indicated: **5:46**
